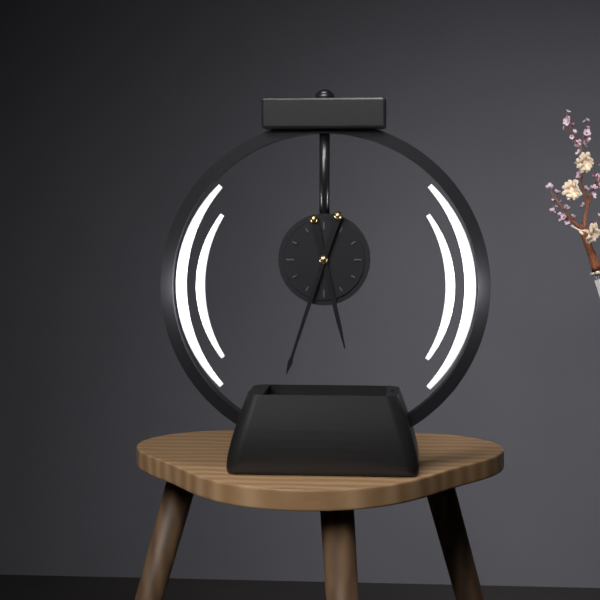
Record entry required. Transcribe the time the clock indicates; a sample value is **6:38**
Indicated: **5:33**
